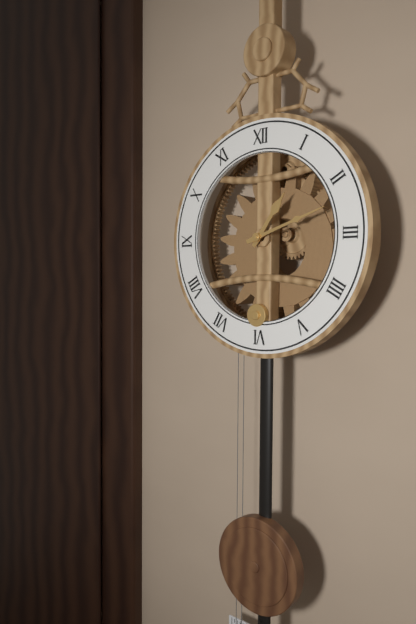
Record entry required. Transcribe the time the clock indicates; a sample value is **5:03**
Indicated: **1:12**
